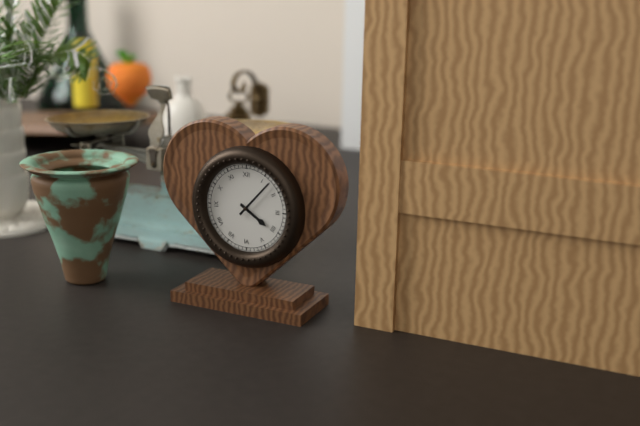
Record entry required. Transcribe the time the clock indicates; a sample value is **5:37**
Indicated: **4:07**
